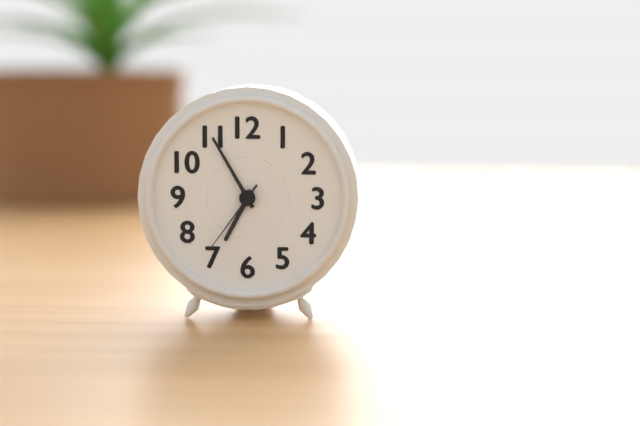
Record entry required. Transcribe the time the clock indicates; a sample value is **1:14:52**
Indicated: **6:55:36**
